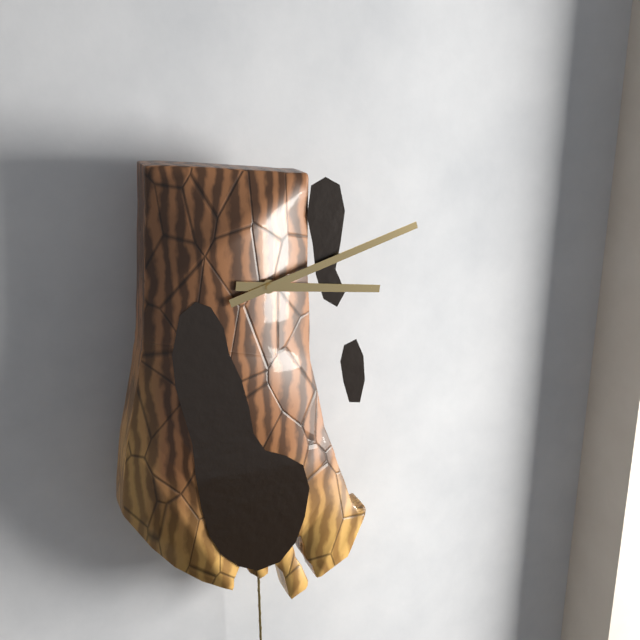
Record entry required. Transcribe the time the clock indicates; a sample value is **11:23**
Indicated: **3:12**
